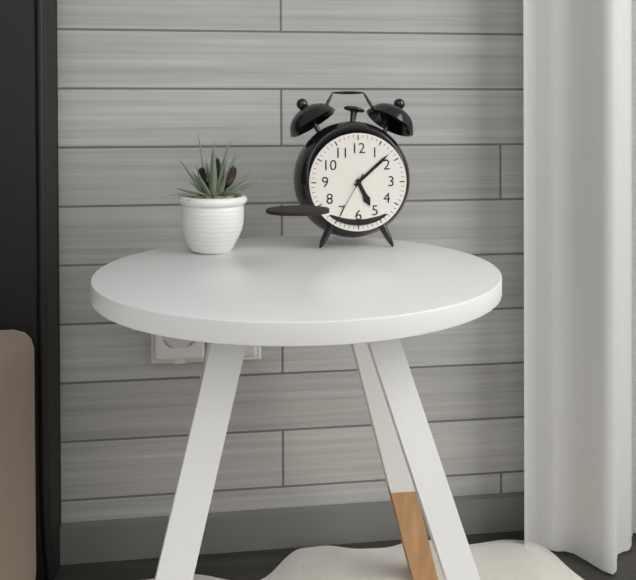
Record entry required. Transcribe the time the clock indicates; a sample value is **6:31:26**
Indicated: **5:08:35**
